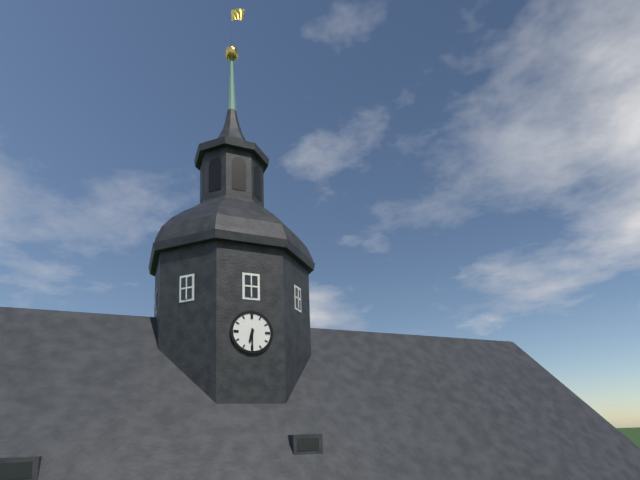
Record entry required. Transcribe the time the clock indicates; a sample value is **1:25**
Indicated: **6:30**
